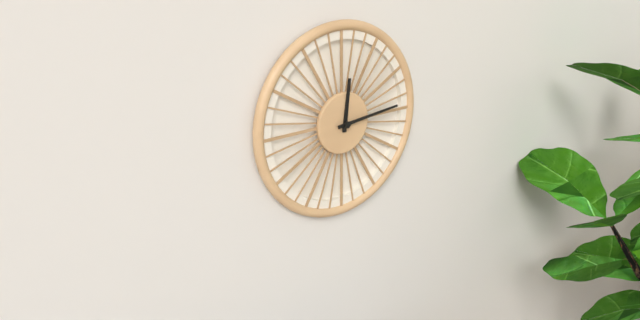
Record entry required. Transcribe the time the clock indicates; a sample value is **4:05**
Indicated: **12:14**
